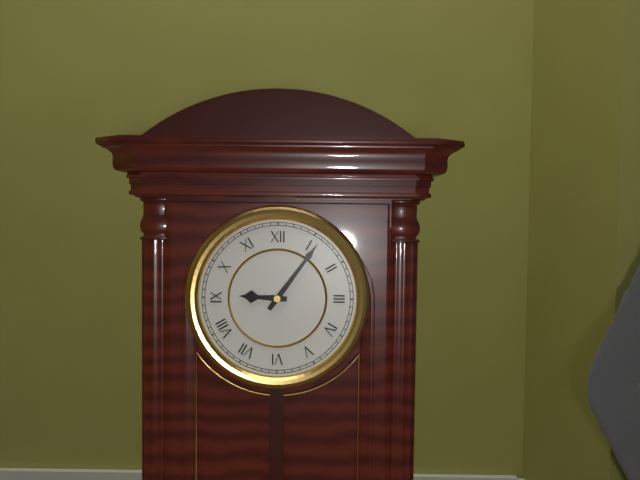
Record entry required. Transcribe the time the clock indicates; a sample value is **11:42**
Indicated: **9:06**
